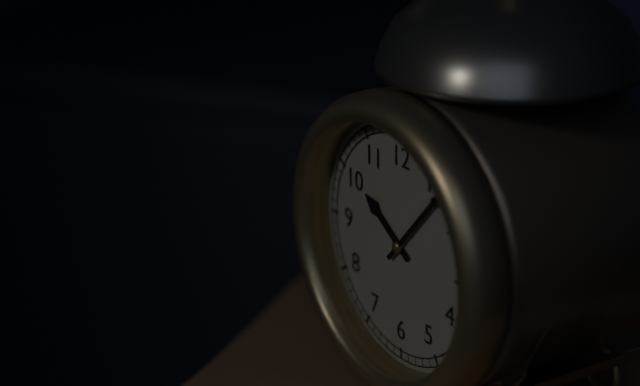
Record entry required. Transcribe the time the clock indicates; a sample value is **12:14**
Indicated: **10:07**
